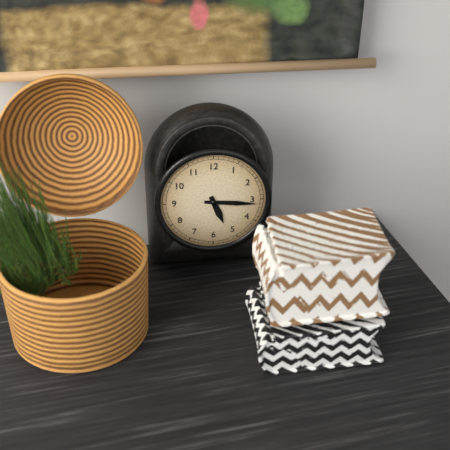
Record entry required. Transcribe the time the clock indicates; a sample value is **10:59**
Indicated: **5:16**
